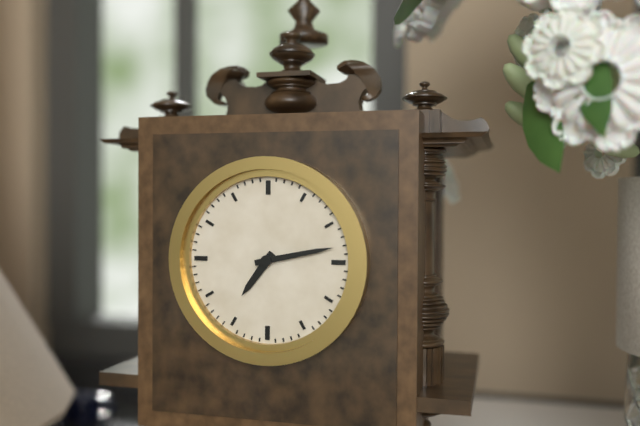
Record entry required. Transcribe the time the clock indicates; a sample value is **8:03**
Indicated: **7:13**
